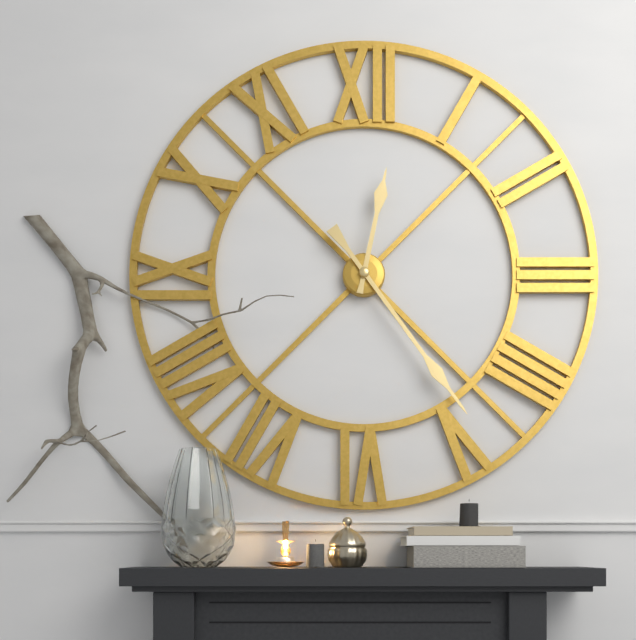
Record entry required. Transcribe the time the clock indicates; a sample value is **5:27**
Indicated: **12:24**
